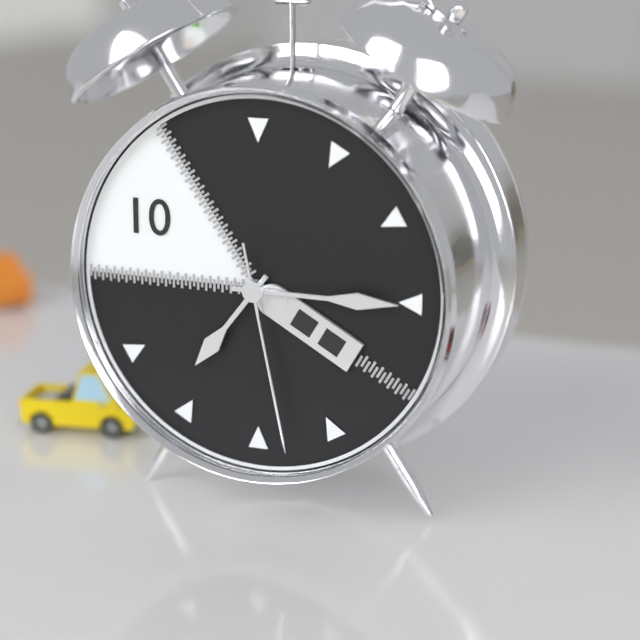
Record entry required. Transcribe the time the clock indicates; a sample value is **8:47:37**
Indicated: **7:15:28**
